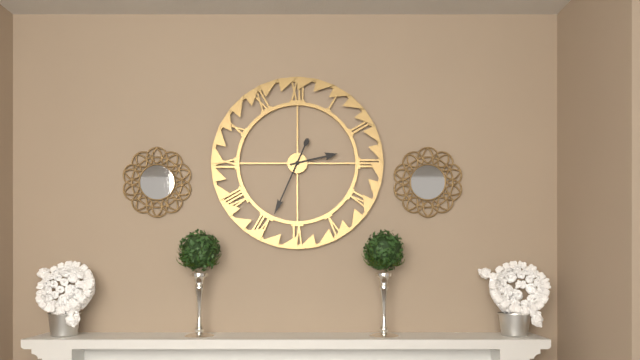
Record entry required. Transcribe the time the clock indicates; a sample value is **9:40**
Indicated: **2:34**
